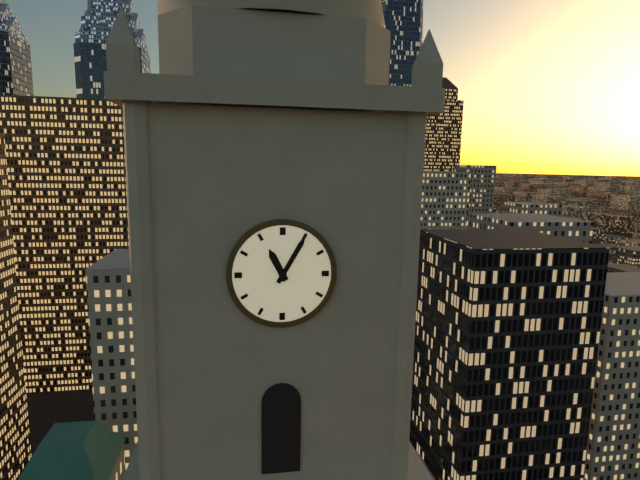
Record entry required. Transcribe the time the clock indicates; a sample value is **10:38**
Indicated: **11:05**
